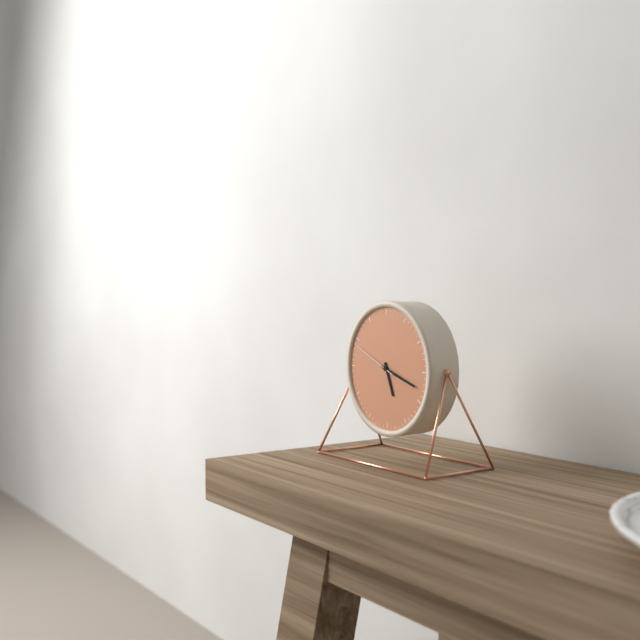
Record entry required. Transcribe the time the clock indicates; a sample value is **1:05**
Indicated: **5:18**
